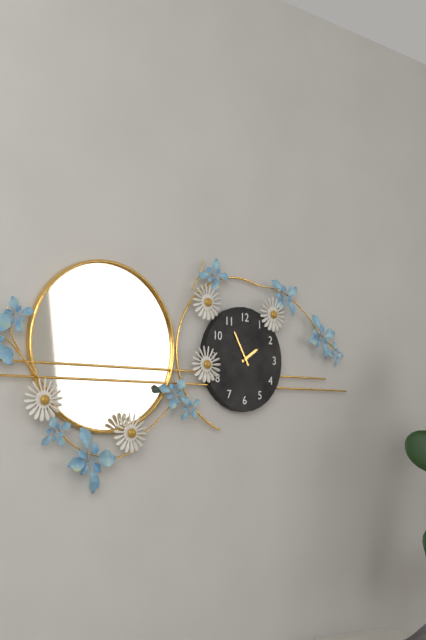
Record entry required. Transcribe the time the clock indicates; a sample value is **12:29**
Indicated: **1:55**
